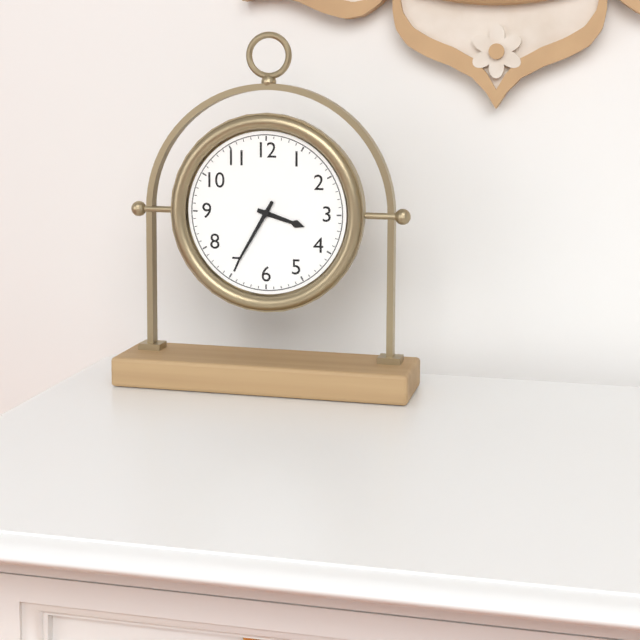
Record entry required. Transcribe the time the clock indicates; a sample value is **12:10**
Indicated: **3:35**
